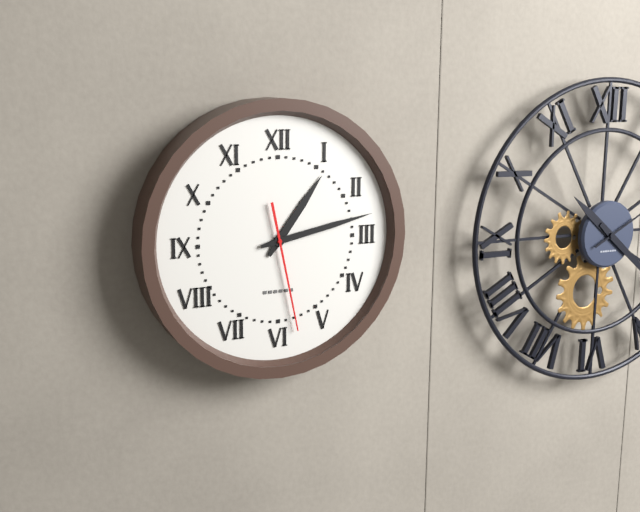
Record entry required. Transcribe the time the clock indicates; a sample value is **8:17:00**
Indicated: **1:13:28**
